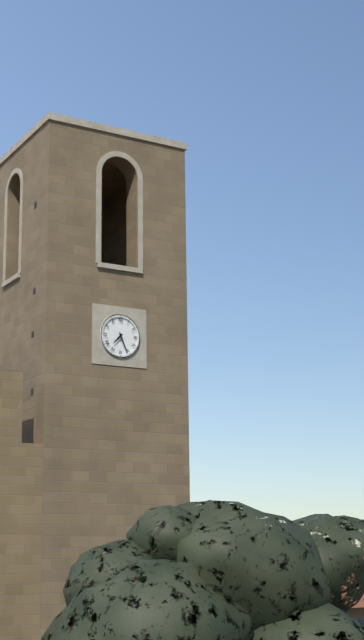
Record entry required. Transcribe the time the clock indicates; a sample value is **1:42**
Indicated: **7:26**
